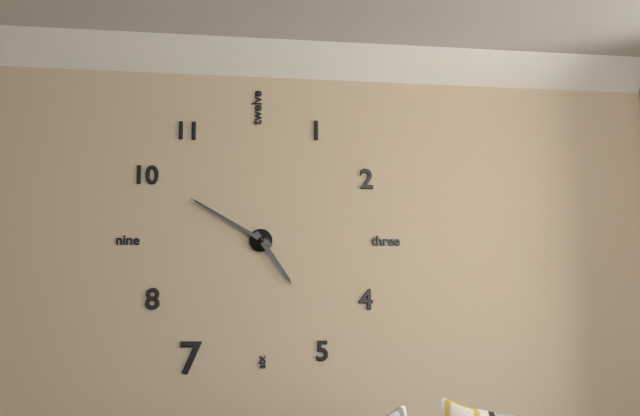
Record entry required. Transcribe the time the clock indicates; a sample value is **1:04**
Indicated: **4:50**
